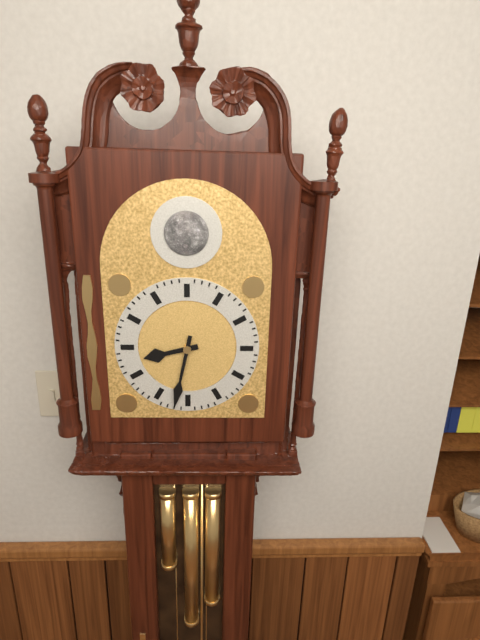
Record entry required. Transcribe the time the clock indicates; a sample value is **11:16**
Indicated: **8:32**
